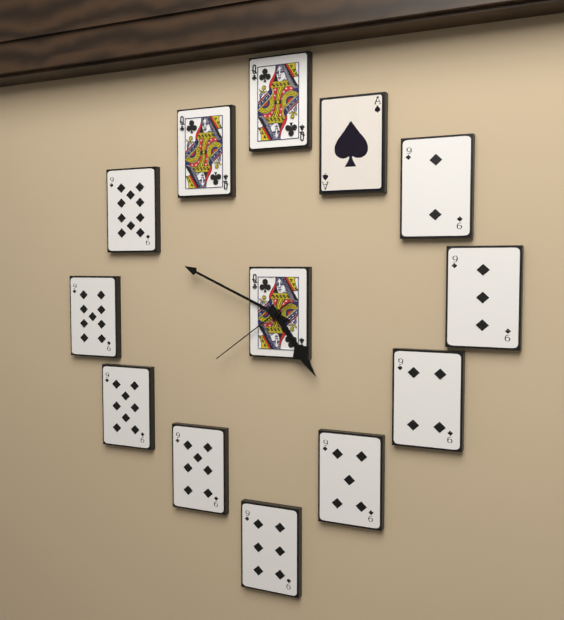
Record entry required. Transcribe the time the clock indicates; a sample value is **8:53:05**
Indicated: **4:49:39**
